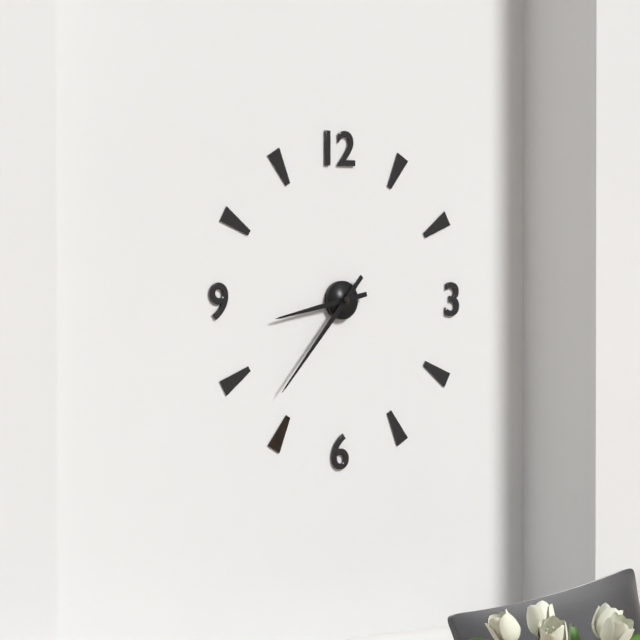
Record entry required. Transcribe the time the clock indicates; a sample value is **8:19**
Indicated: **8:37**
